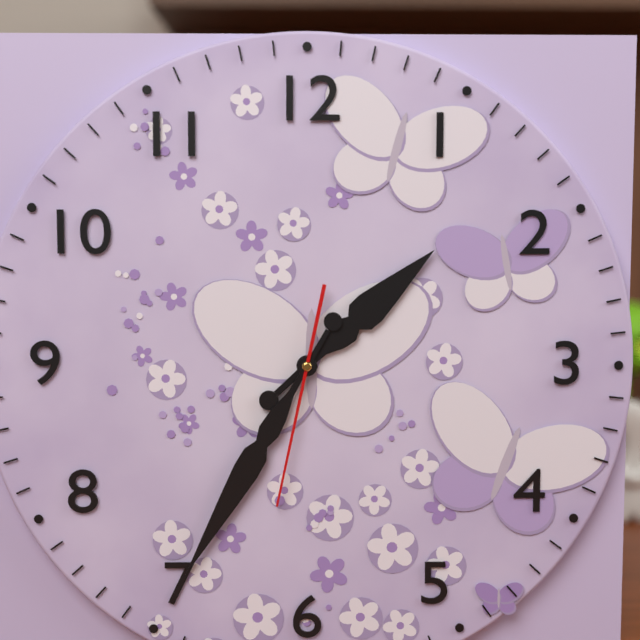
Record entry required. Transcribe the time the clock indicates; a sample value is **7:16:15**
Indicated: **1:35:32**
